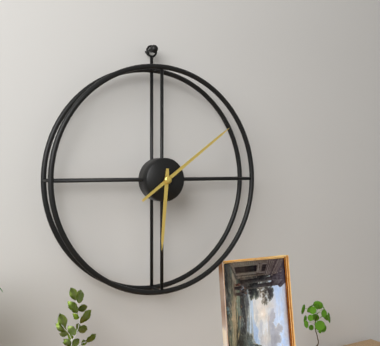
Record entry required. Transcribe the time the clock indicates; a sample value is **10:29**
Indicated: **6:09**
